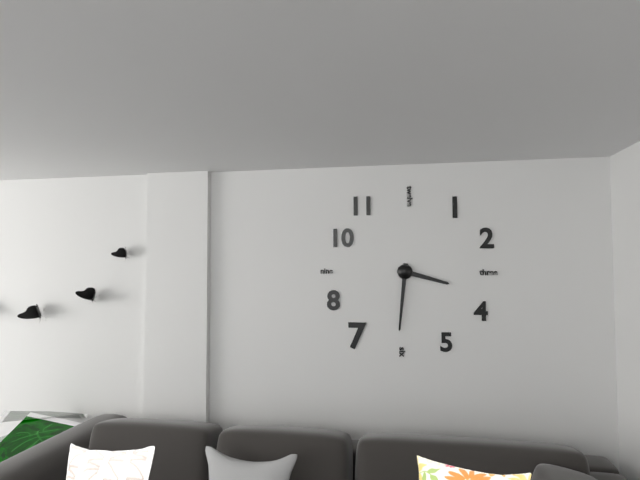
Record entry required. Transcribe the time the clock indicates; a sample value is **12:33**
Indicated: **3:31**
